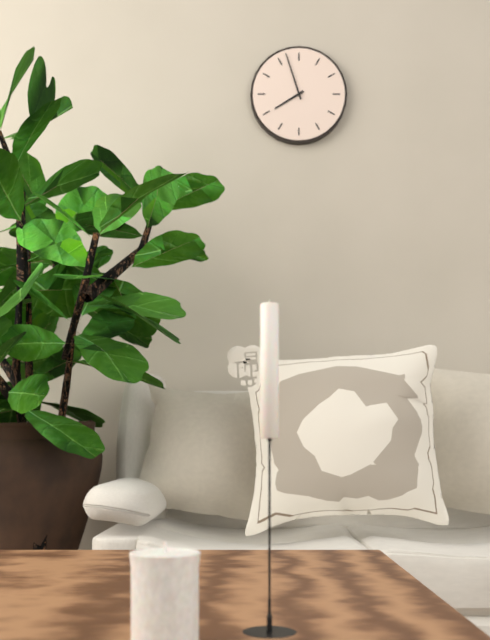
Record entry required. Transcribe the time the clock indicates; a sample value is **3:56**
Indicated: **7:57**
